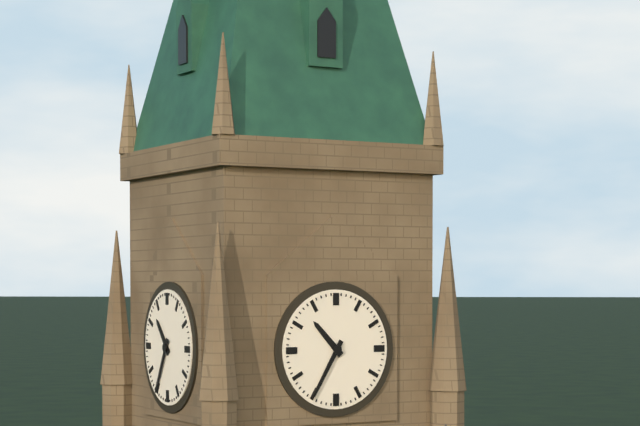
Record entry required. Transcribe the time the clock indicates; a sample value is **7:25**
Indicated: **10:35**
